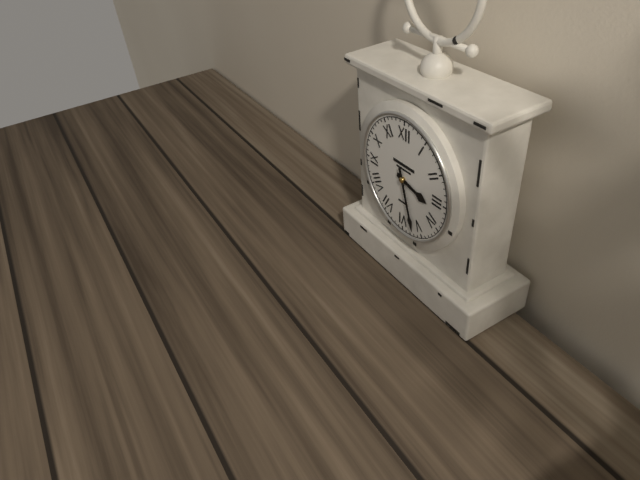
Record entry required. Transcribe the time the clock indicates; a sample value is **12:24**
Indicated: **3:27**
